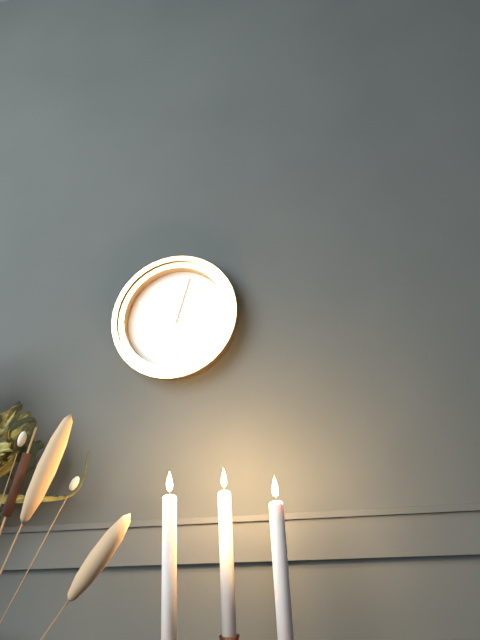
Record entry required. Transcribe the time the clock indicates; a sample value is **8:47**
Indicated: **10:03**
